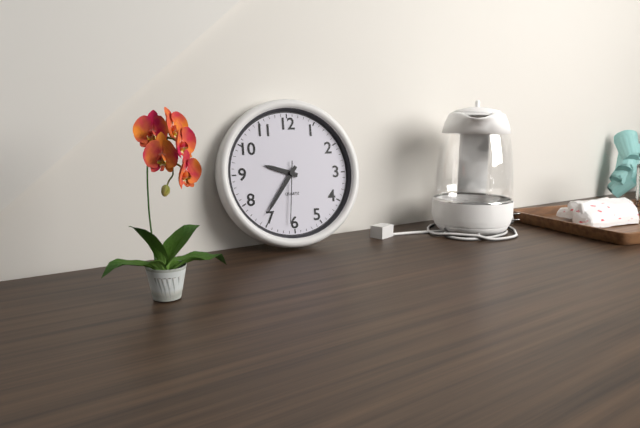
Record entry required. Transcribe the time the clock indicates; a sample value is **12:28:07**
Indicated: **9:36:31**
